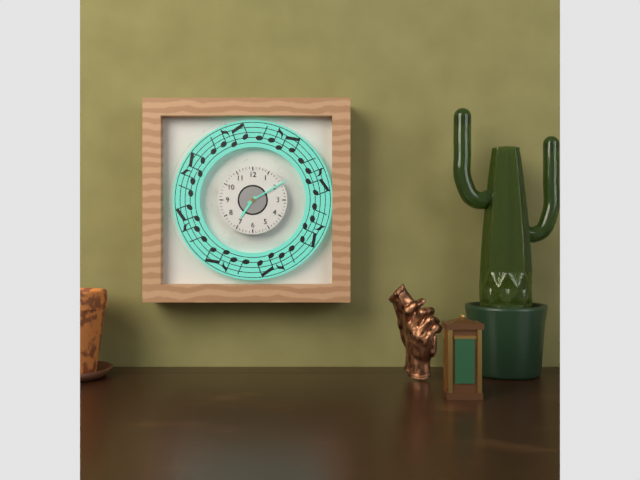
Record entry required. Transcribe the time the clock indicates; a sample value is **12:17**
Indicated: **7:10**
